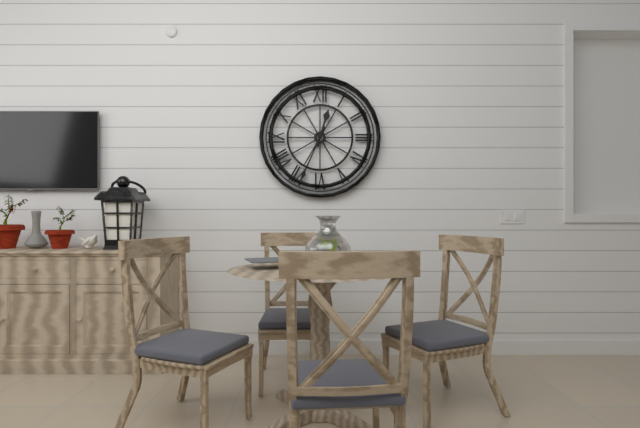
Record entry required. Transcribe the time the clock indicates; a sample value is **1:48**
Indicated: **12:34**
